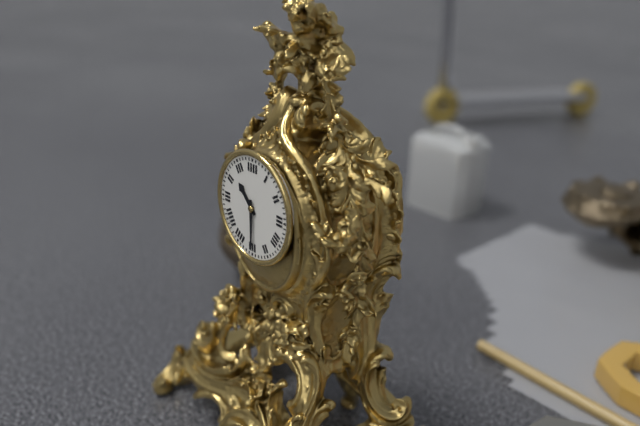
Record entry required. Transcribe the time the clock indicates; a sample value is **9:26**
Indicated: **10:30**
